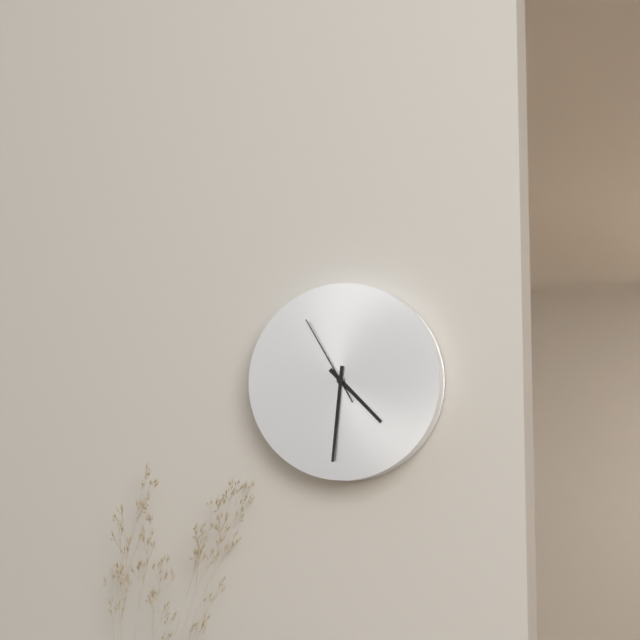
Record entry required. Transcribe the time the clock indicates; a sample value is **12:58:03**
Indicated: **4:31:55**
